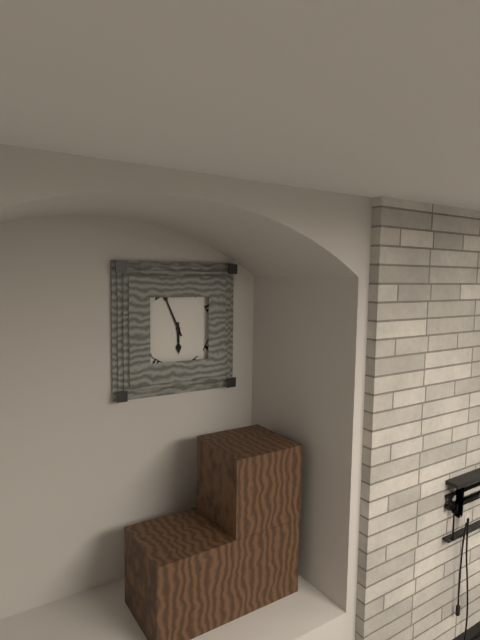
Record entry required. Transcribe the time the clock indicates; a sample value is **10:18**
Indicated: **5:56**
